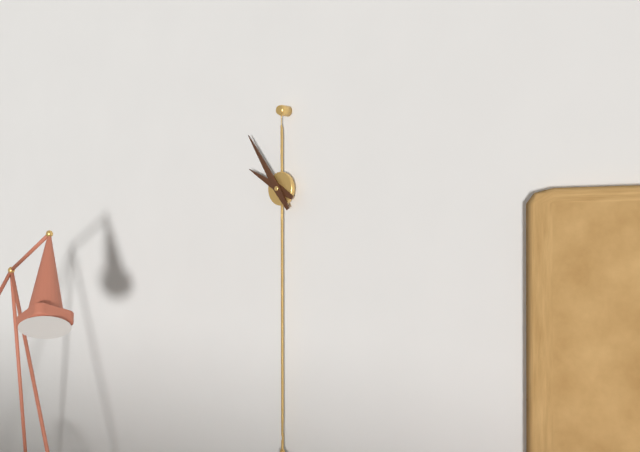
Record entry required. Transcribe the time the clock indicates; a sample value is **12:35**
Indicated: **9:54**
